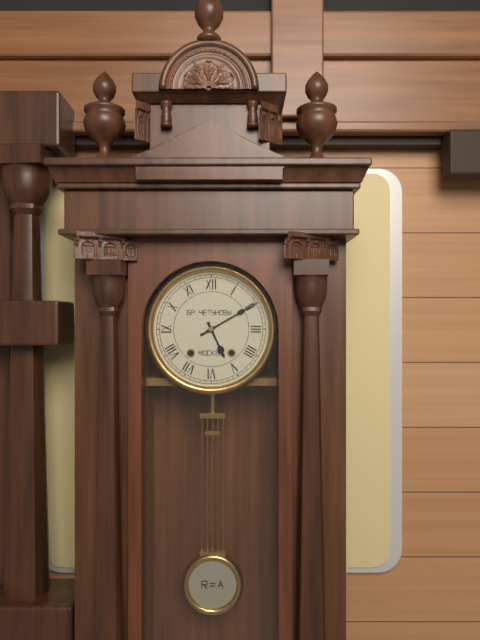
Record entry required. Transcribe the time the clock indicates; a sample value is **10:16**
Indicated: **5:10**
